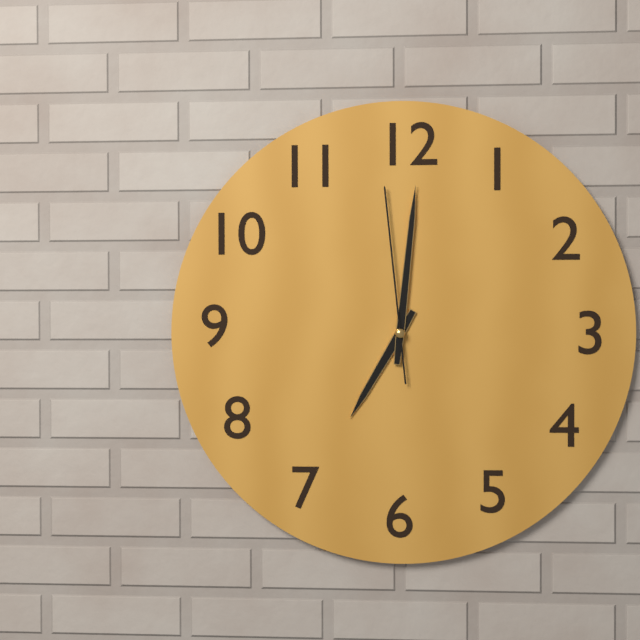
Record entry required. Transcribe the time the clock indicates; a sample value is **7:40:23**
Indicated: **7:01:59**
